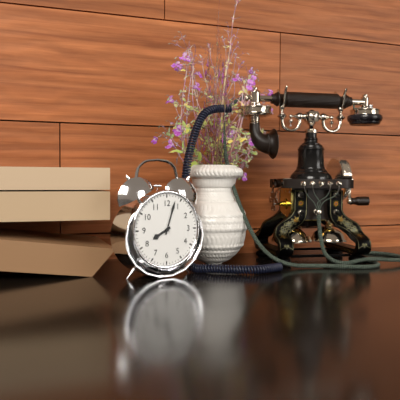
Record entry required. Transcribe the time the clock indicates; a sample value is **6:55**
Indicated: **8:03**
